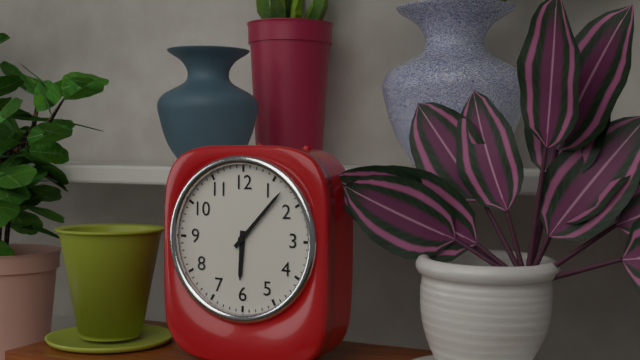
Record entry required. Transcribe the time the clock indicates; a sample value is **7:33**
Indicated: **6:07**
